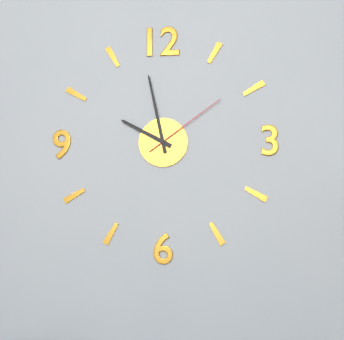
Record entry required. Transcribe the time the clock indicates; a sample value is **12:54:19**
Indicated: **9:58:09**
